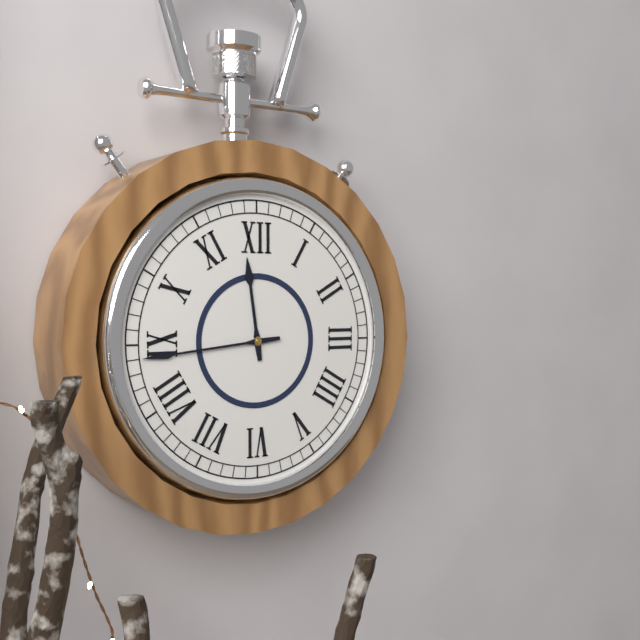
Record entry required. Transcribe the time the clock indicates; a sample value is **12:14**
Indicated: **11:44**
